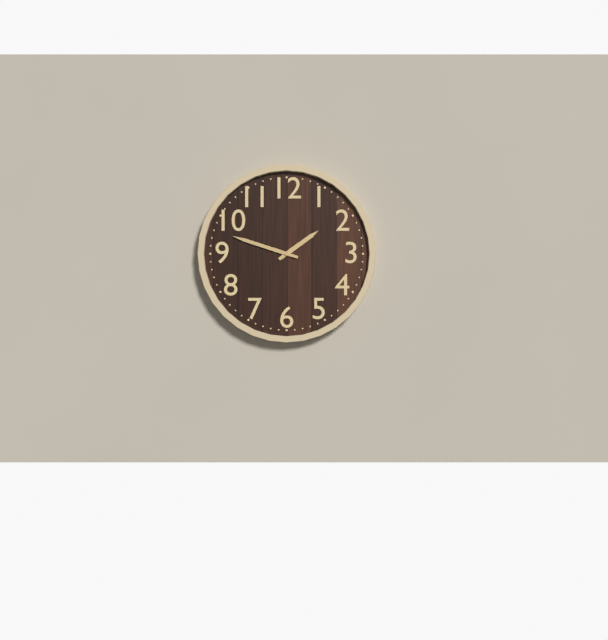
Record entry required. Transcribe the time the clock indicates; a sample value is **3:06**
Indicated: **1:48**
